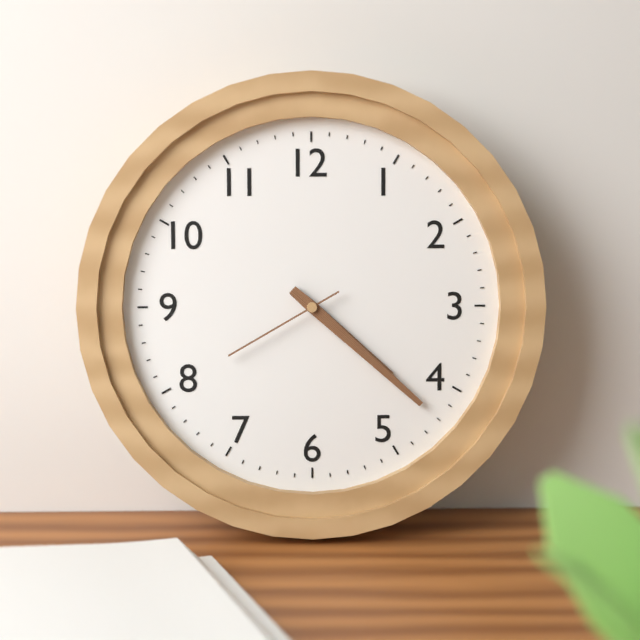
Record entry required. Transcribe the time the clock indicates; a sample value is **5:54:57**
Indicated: **4:22:40**
